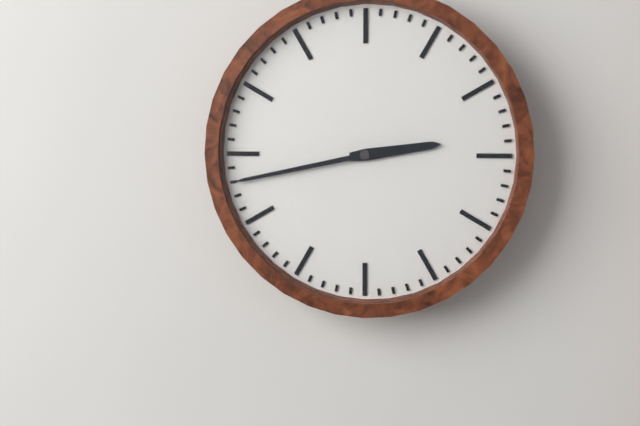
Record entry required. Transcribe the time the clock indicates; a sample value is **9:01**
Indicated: **2:43**
